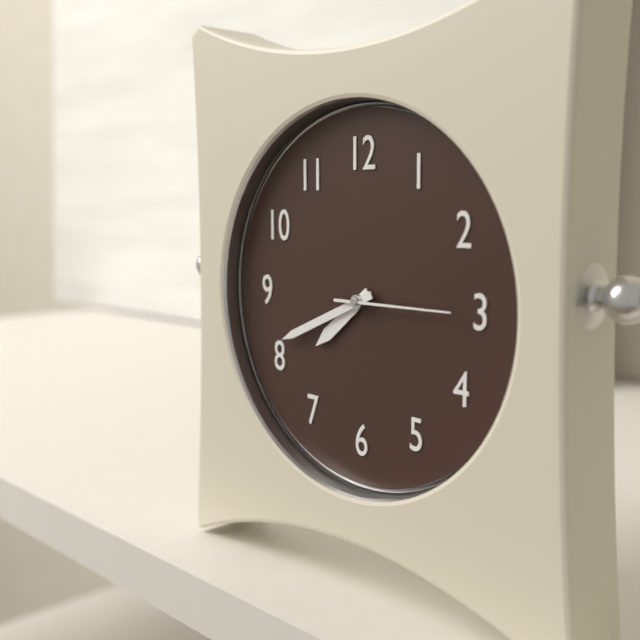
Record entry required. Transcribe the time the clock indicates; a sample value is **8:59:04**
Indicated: **7:41:15**
